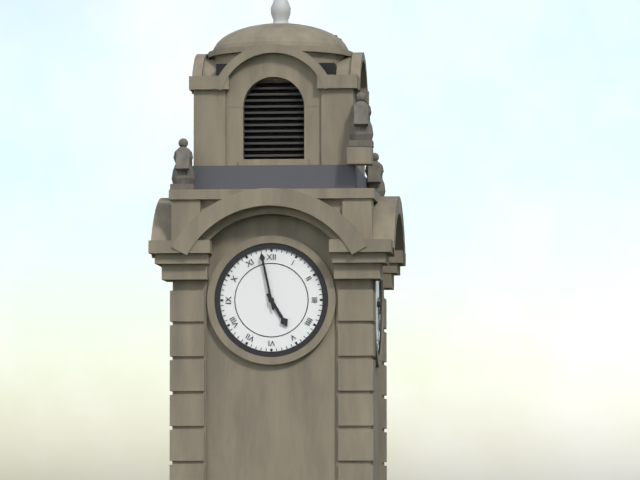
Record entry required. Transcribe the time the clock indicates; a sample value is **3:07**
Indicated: **4:58**
